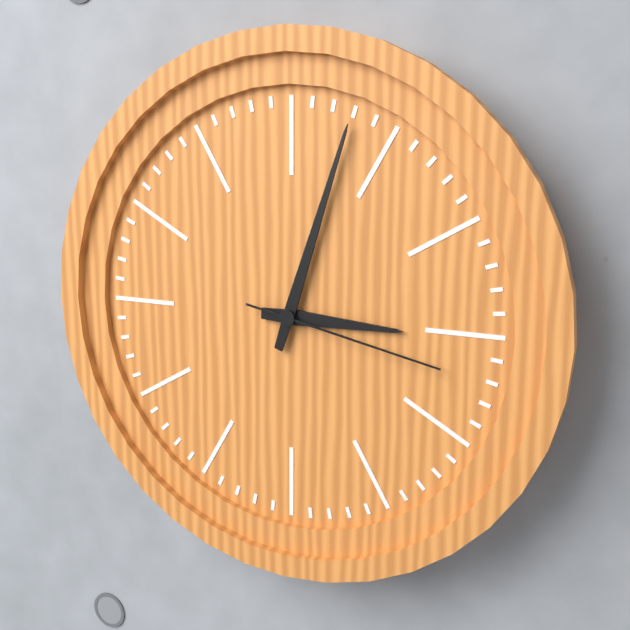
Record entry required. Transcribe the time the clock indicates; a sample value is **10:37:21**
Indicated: **3:03:17**
